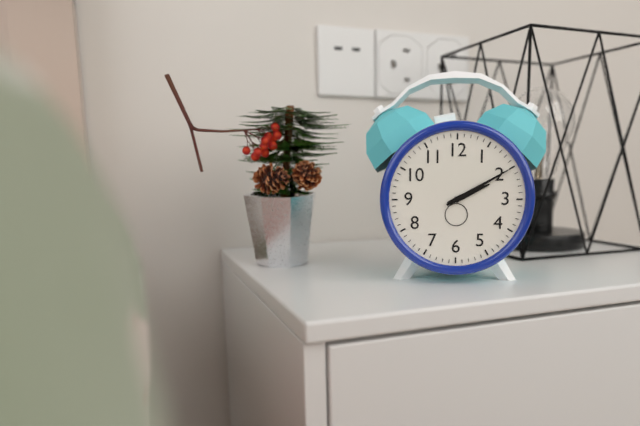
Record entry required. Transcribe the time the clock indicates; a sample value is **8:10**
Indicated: **2:10**
